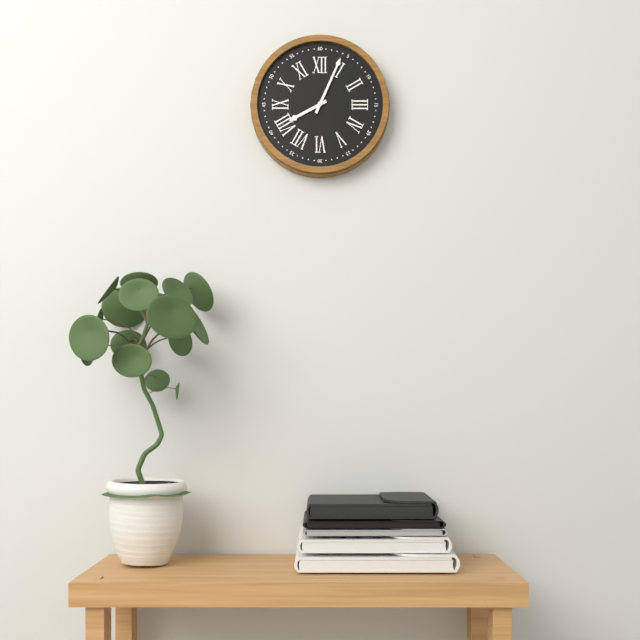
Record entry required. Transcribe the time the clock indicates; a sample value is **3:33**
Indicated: **8:04**
